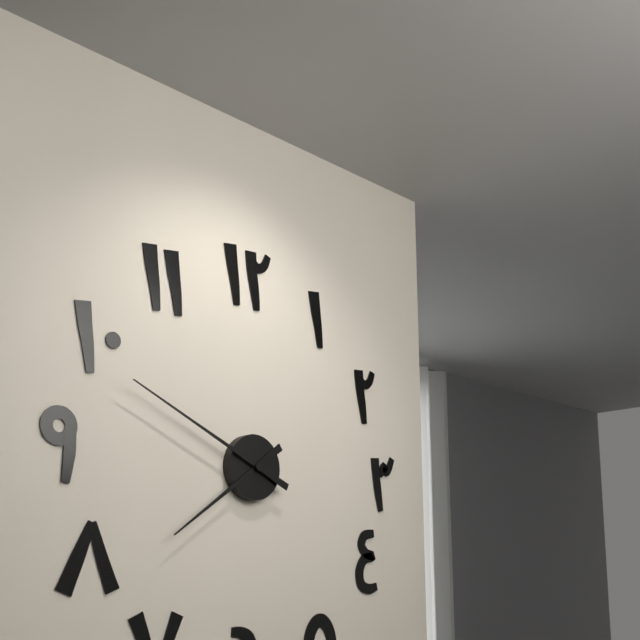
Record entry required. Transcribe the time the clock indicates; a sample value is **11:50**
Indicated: **7:49**
